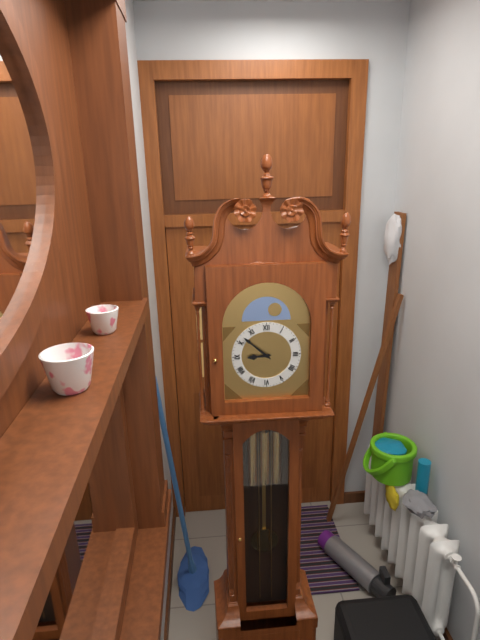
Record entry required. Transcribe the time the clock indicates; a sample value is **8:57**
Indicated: **8:52**
